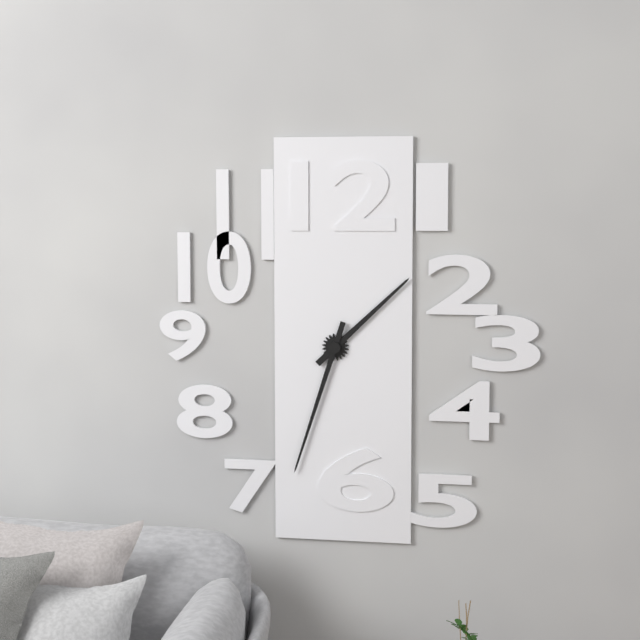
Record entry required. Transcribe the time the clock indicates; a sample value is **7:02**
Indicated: **1:33**
